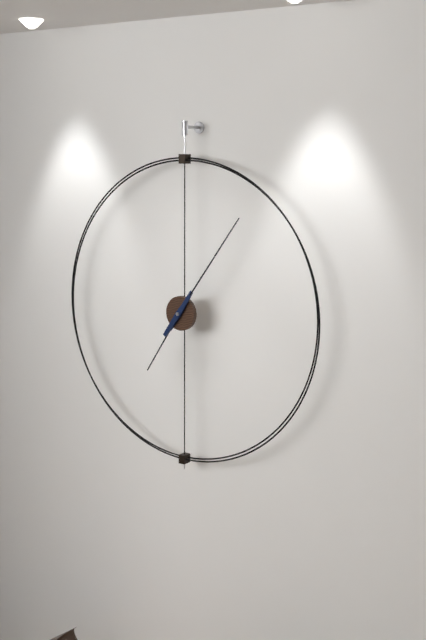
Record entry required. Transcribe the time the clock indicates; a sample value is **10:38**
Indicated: **7:06**
